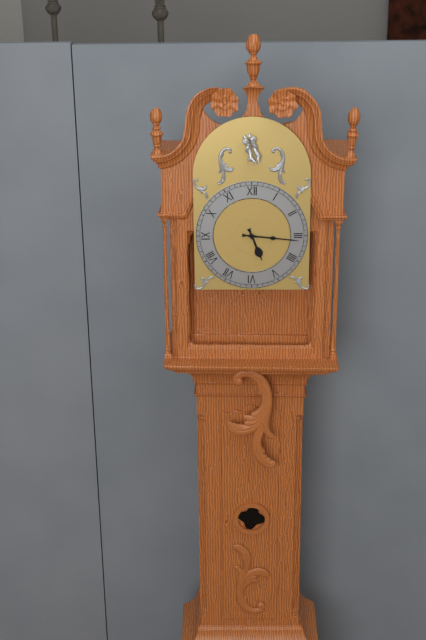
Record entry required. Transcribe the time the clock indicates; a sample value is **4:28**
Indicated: **5:16**
